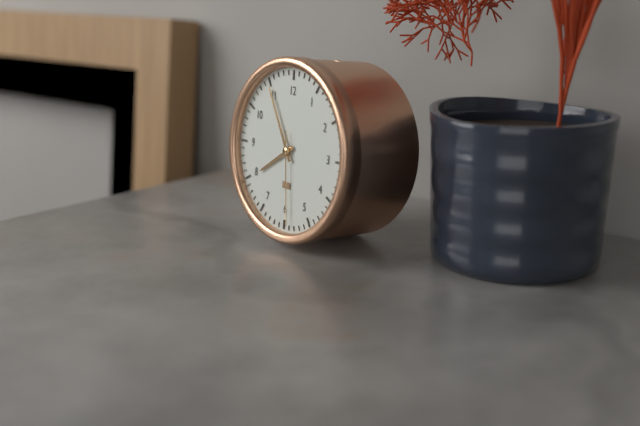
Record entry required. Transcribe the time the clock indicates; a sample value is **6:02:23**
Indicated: **7:55:29**
